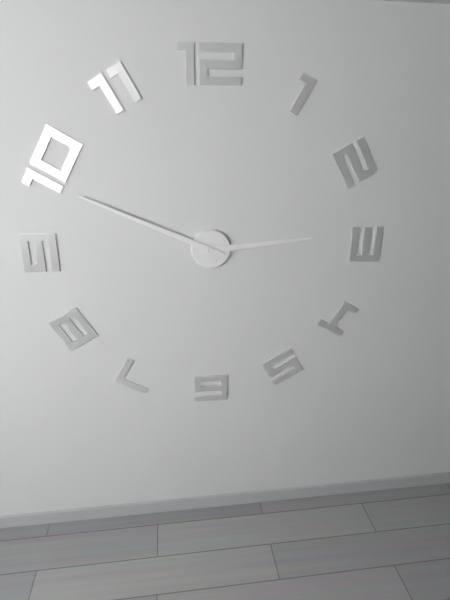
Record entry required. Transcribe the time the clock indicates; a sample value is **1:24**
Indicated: **2:49**
